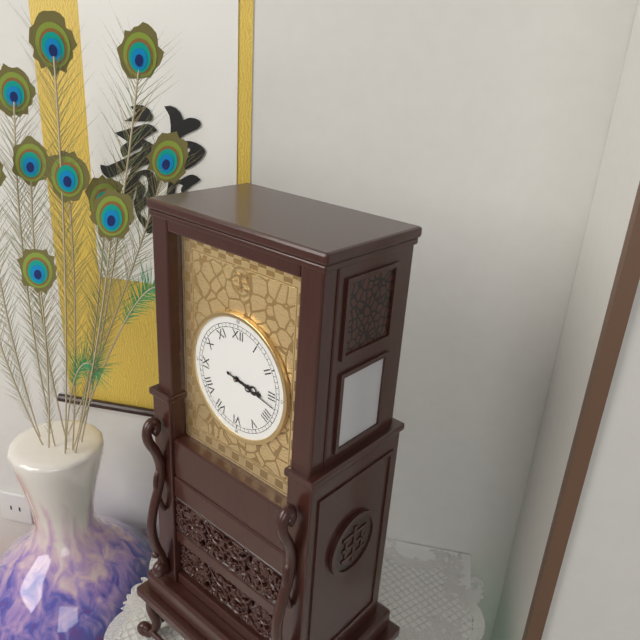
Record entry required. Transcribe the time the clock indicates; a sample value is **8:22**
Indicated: **3:17**
